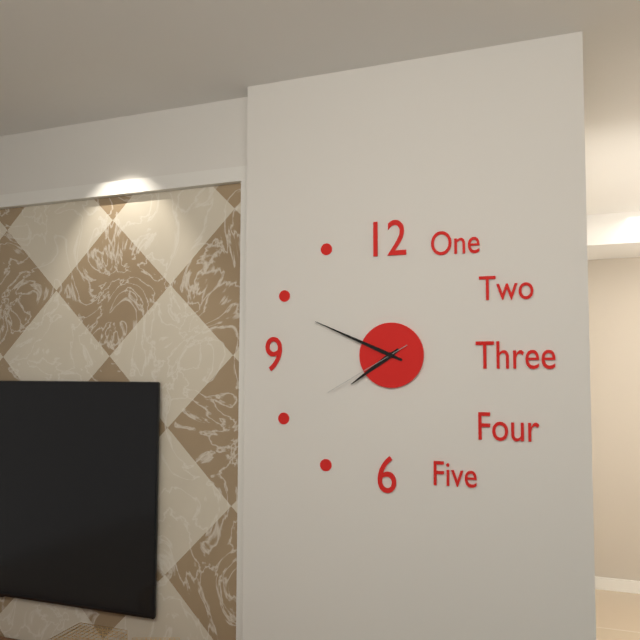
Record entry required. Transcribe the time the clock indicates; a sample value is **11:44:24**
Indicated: **7:49:40**
